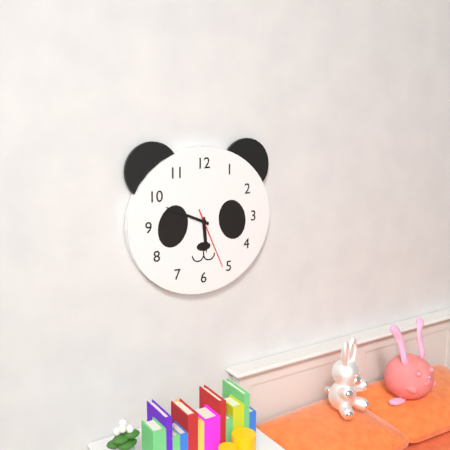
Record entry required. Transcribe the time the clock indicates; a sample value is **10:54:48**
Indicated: **5:49:26**
